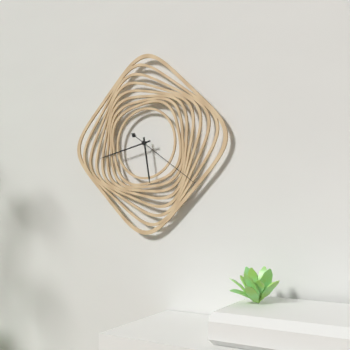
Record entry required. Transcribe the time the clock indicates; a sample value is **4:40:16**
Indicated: **5:43:21**
